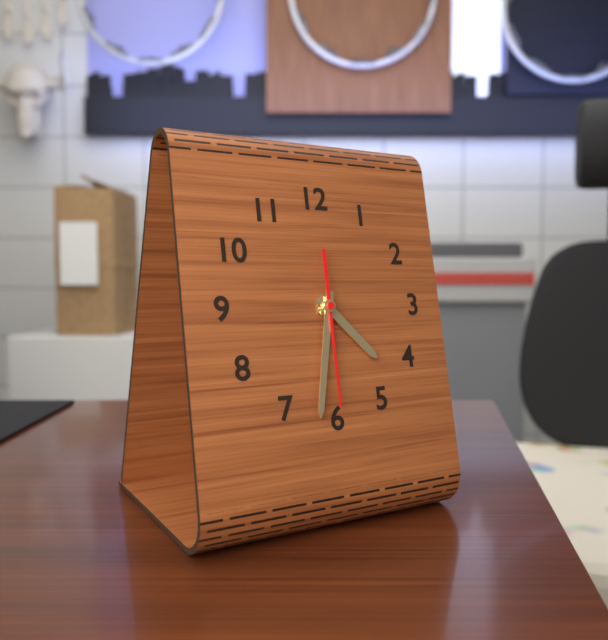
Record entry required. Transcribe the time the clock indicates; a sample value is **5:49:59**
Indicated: **4:32:30**
